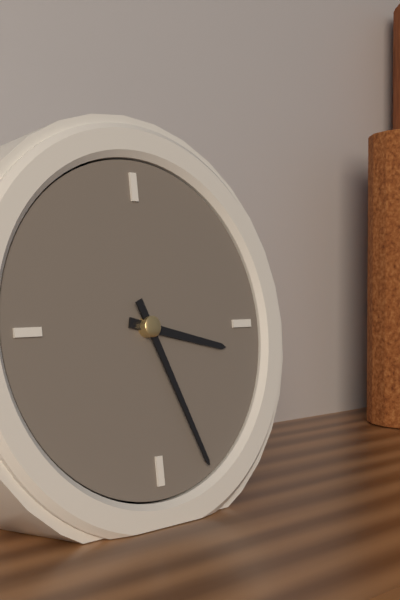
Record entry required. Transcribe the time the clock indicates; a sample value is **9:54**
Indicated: **3:26**
